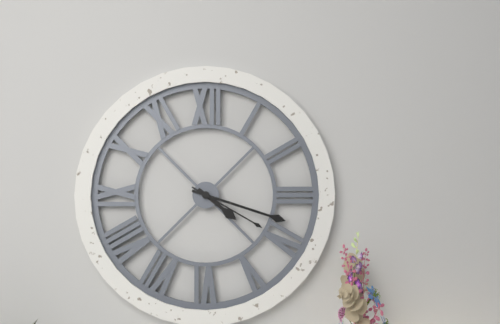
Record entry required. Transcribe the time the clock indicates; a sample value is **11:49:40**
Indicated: **4:18:20**
